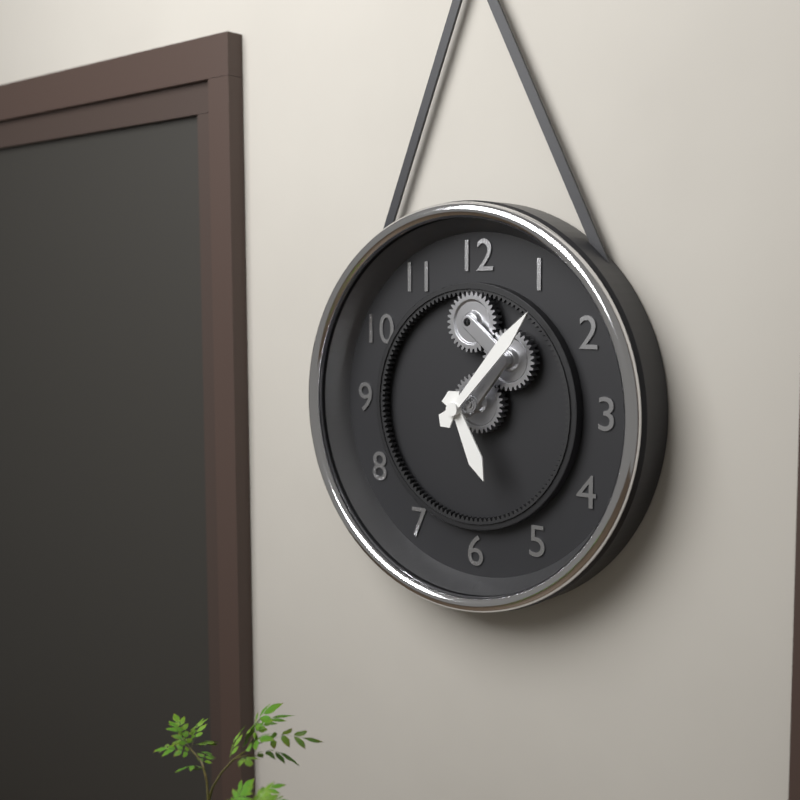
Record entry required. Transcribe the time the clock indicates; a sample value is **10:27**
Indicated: **5:07**
